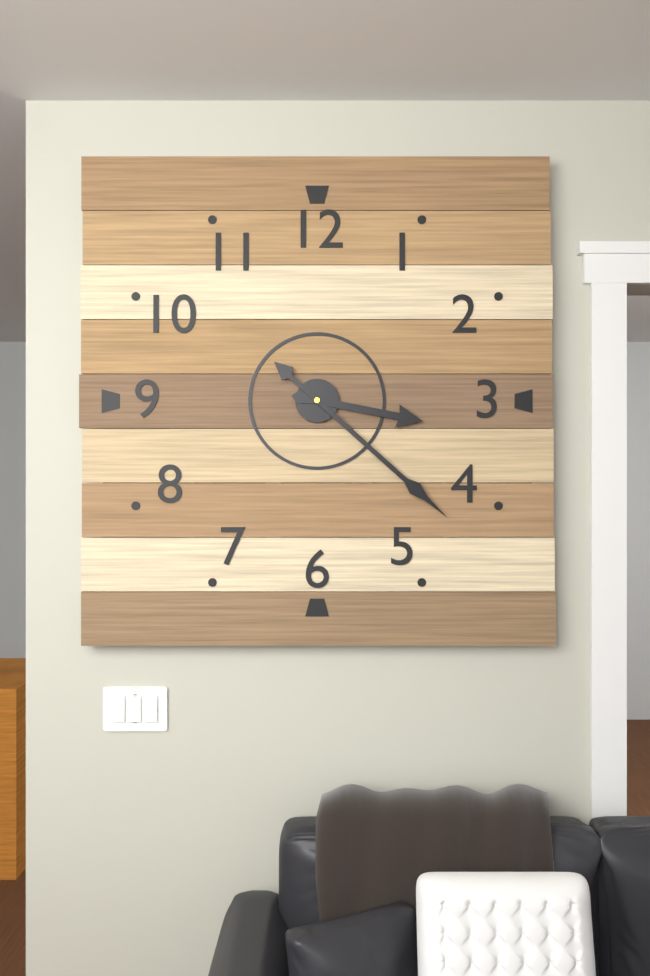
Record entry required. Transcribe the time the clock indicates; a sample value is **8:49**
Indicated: **3:22**
